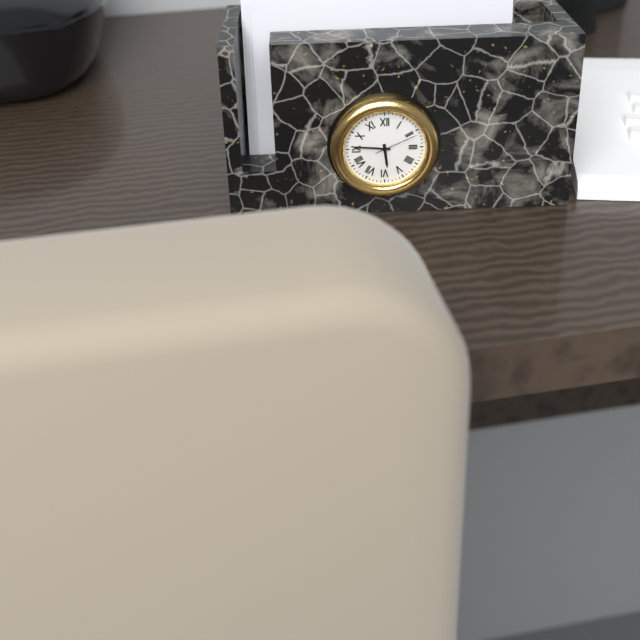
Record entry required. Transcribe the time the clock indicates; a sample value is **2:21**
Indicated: **5:46**
